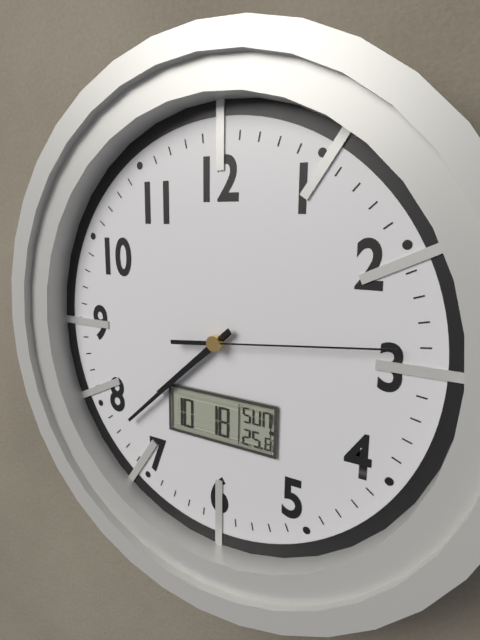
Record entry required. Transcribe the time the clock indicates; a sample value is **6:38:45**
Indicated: **7:38:14**
